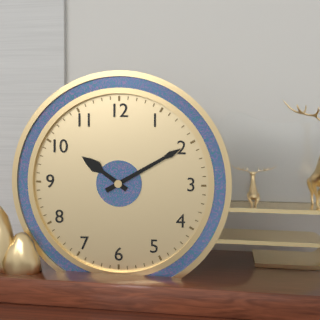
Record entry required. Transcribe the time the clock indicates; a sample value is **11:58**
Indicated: **10:10**
